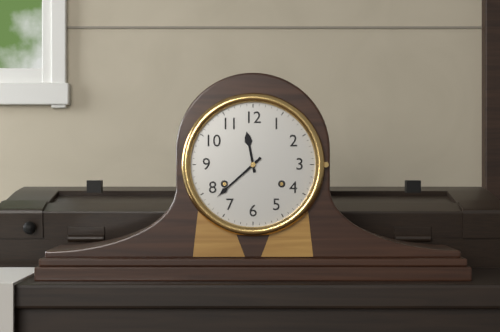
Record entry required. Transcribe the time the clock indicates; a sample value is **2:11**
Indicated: **11:38**
